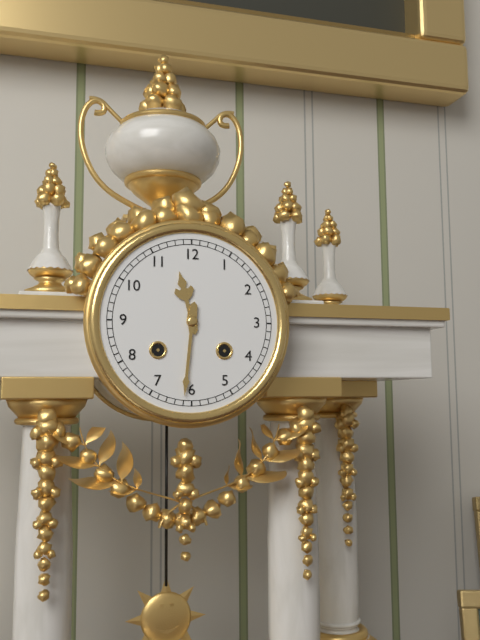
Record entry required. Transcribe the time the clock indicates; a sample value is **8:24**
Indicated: **11:31**
